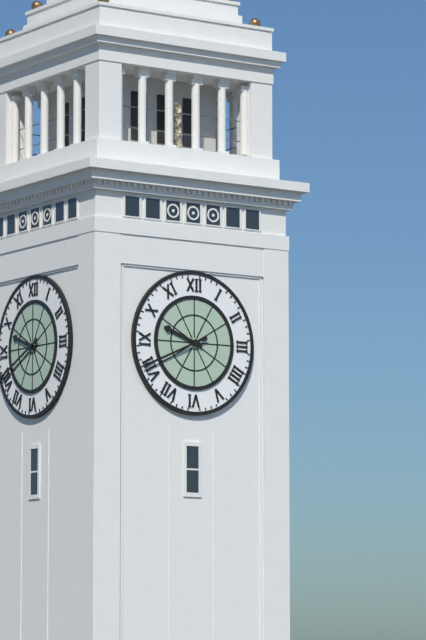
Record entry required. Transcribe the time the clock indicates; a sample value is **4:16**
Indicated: **9:41**
